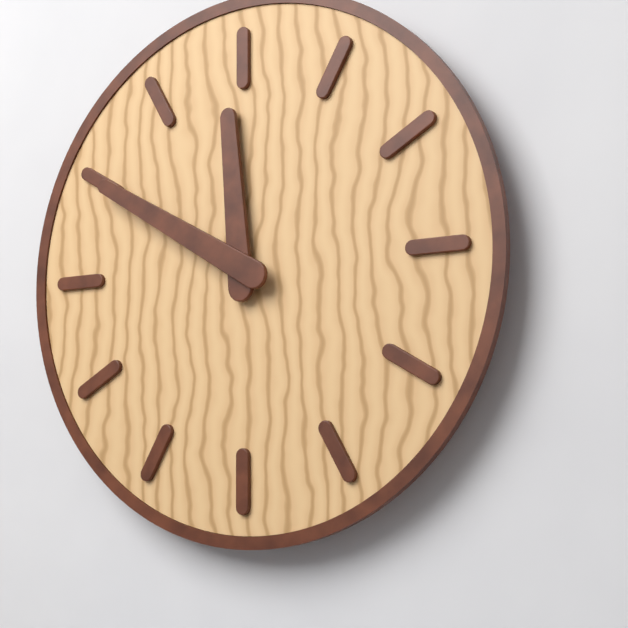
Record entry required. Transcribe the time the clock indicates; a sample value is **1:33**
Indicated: **11:50**
